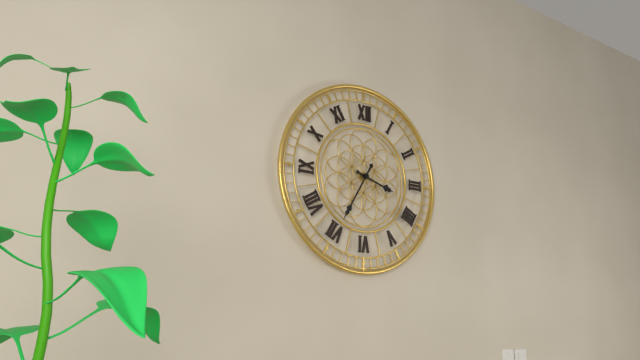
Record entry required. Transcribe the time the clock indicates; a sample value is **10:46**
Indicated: **3:35**
